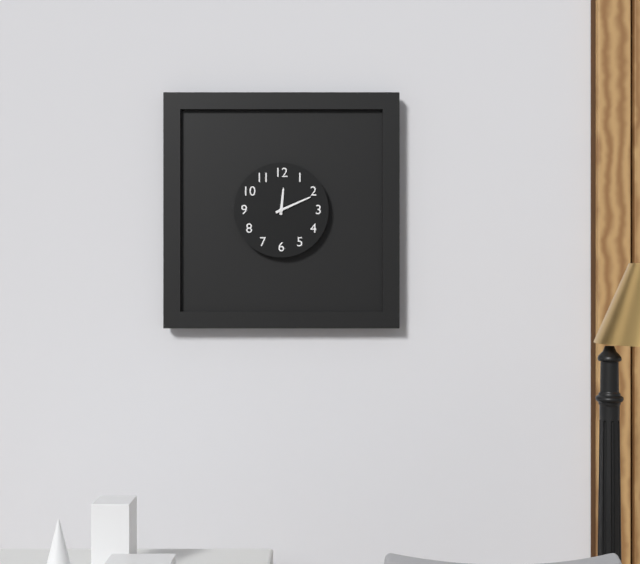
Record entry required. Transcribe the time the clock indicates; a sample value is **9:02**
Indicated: **12:11**
